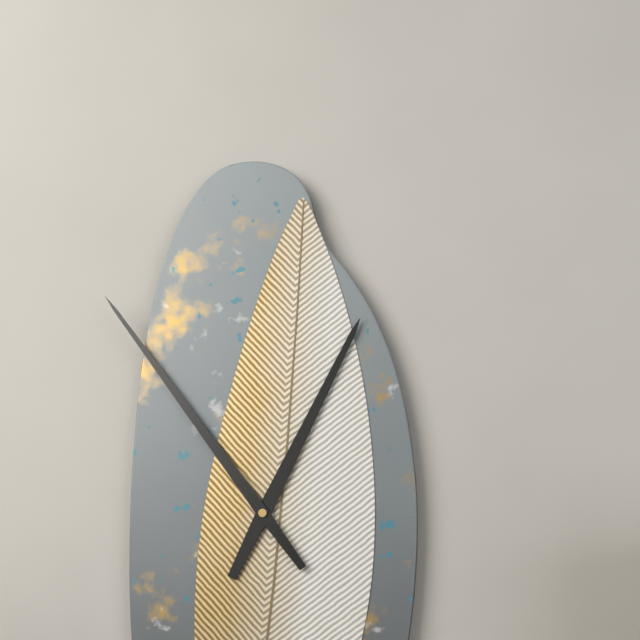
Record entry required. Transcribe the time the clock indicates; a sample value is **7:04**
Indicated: **12:54**
